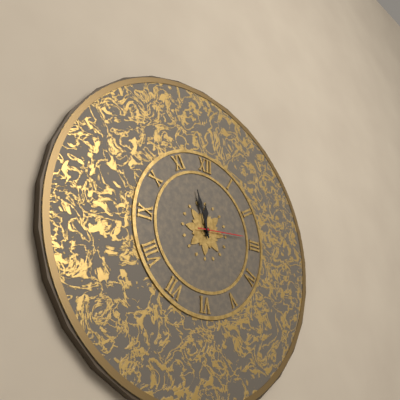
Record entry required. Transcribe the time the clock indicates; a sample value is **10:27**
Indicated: **11:57**
